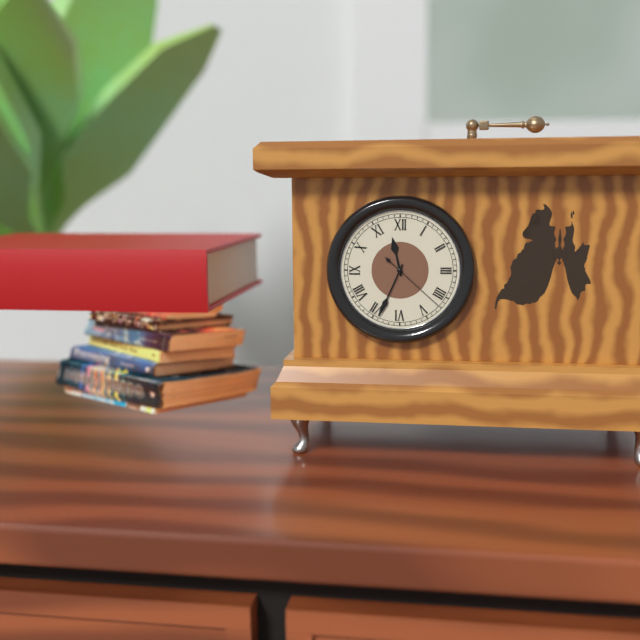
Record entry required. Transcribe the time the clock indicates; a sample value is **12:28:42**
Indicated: **11:34:22**
